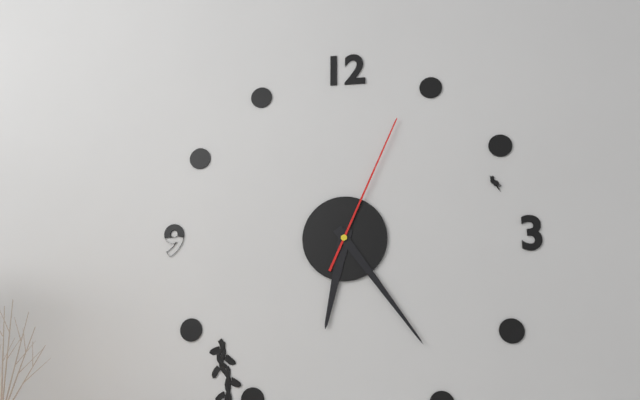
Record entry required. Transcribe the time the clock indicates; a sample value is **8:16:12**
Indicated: **6:24:04**
